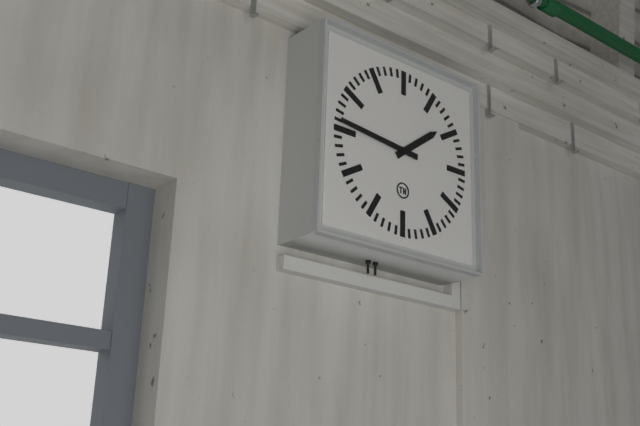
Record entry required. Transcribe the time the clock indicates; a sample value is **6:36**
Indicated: **1:46**
